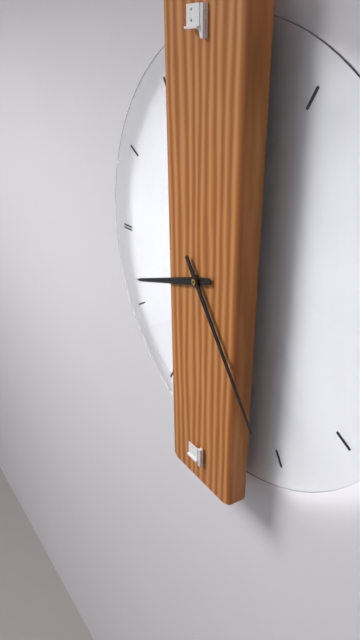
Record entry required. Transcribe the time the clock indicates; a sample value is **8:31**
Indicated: **8:24**
